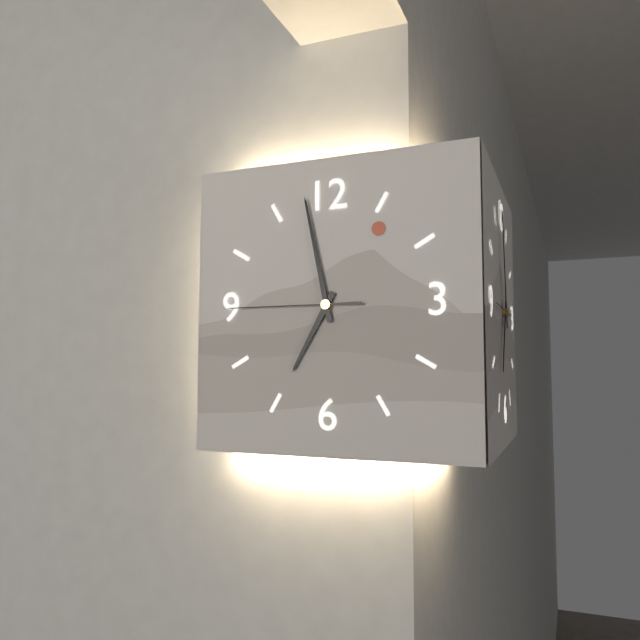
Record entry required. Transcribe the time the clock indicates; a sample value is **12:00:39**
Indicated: **6:58:45**
